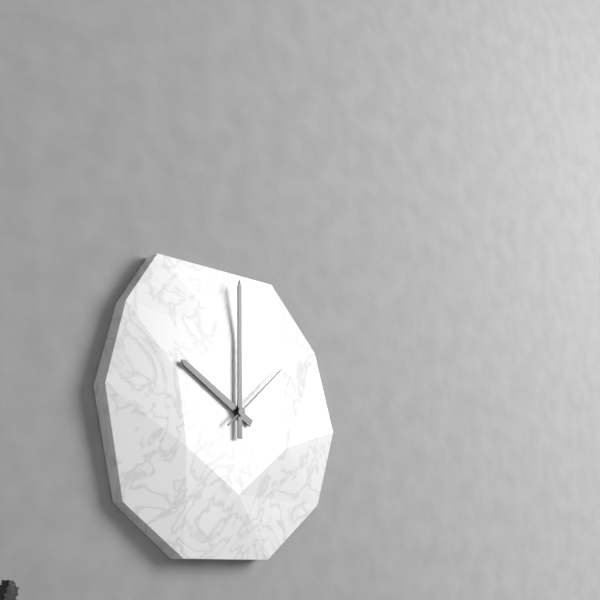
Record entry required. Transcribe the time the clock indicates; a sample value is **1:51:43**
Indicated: **10:00:08**
